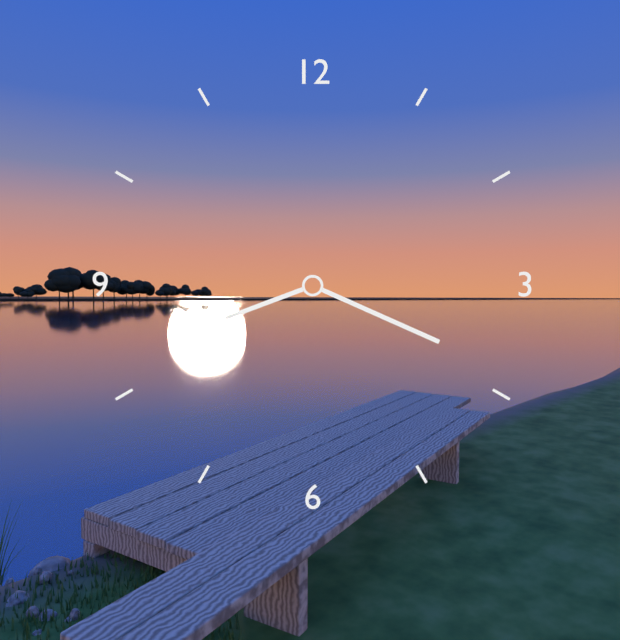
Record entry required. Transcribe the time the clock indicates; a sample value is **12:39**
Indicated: **8:19**
